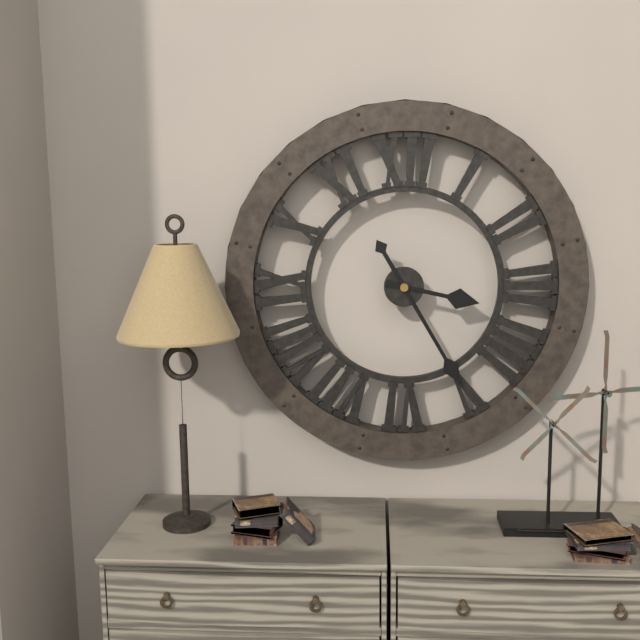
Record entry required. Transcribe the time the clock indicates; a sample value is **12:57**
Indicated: **3:25**
